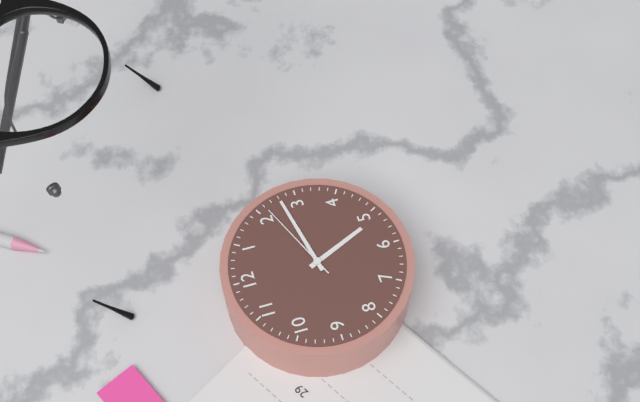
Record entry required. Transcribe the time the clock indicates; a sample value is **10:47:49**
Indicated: **5:13:11**
